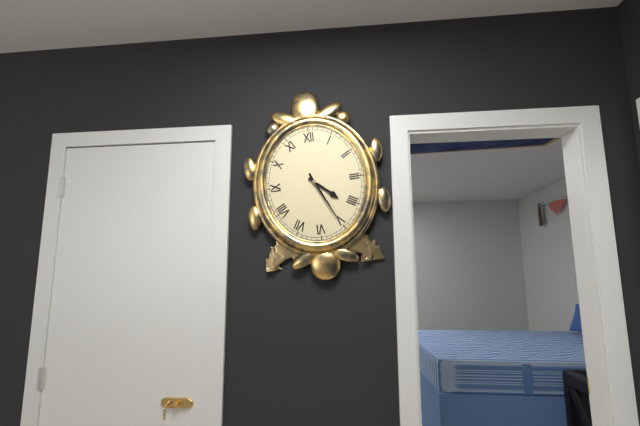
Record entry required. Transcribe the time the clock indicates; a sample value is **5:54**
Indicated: **4:26**
